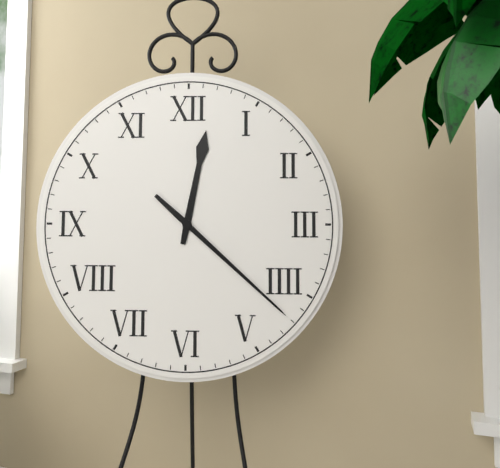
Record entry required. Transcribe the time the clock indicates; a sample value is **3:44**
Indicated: **12:22**
